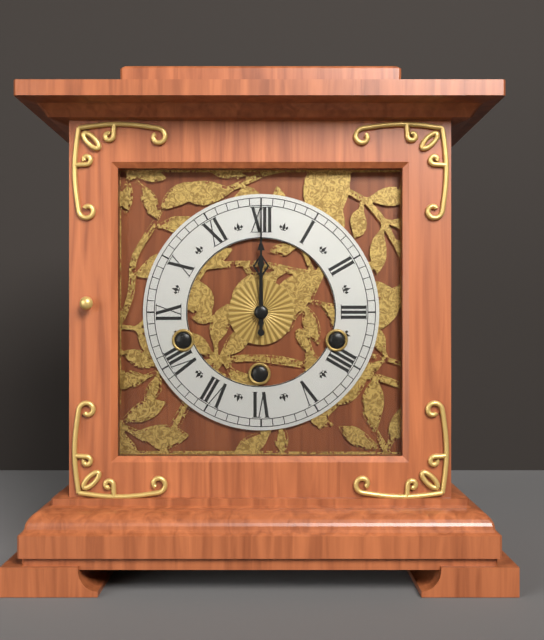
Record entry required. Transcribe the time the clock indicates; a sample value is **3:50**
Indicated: **12:00**
